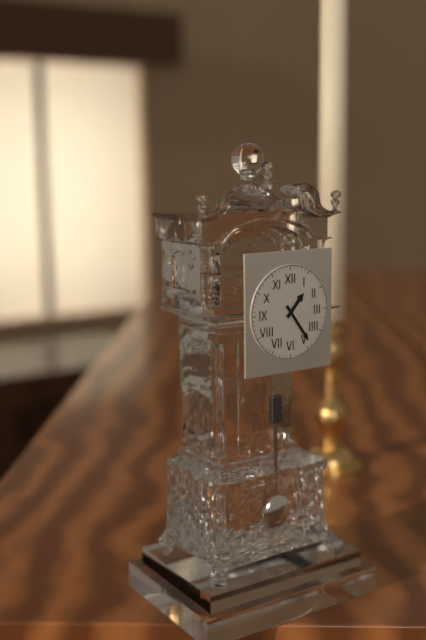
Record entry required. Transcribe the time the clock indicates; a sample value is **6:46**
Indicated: **1:24**
